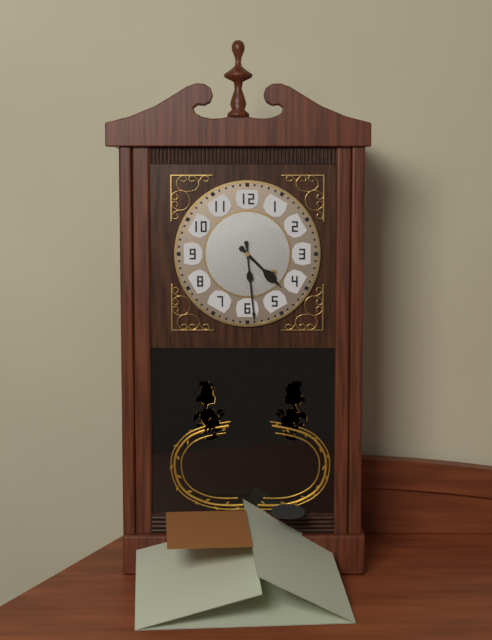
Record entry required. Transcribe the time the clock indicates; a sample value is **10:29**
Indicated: **4:29**
